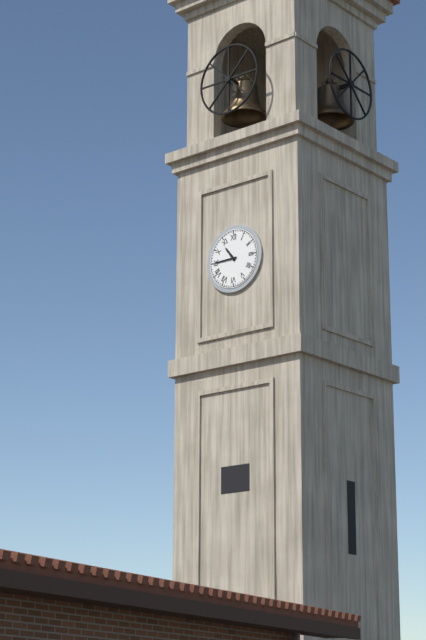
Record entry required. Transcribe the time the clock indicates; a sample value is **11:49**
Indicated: **10:45**
